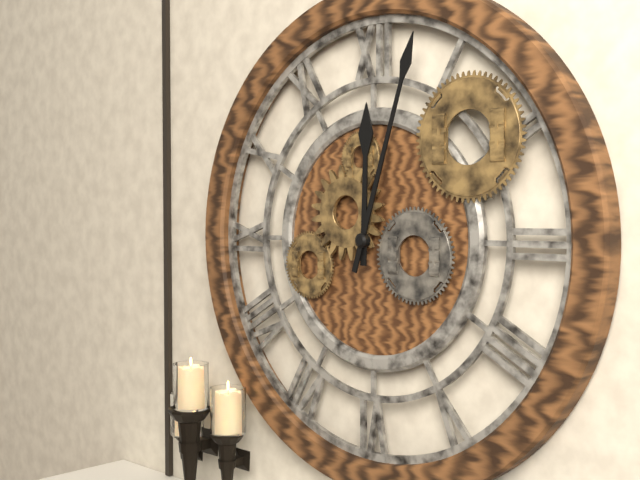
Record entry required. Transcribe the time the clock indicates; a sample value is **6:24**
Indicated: **12:03**
